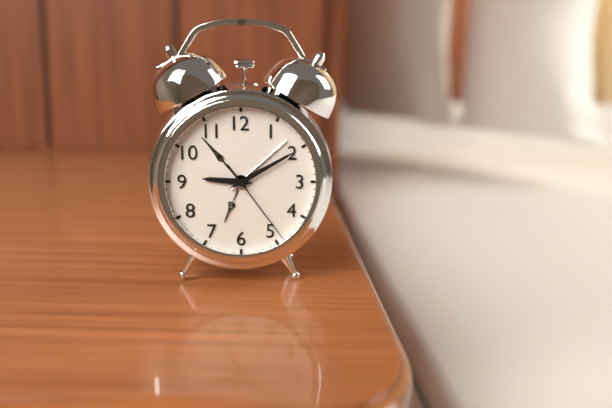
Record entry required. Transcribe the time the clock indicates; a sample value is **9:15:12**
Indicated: **9:10:24**
